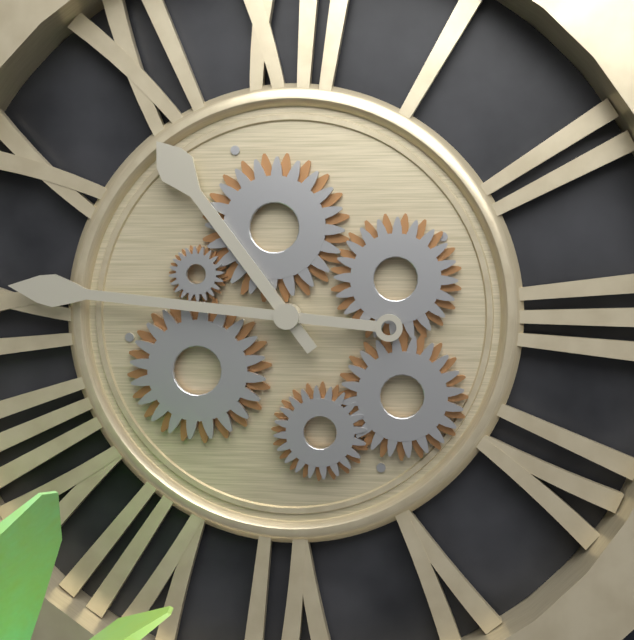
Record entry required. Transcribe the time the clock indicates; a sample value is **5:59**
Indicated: **10:46**
